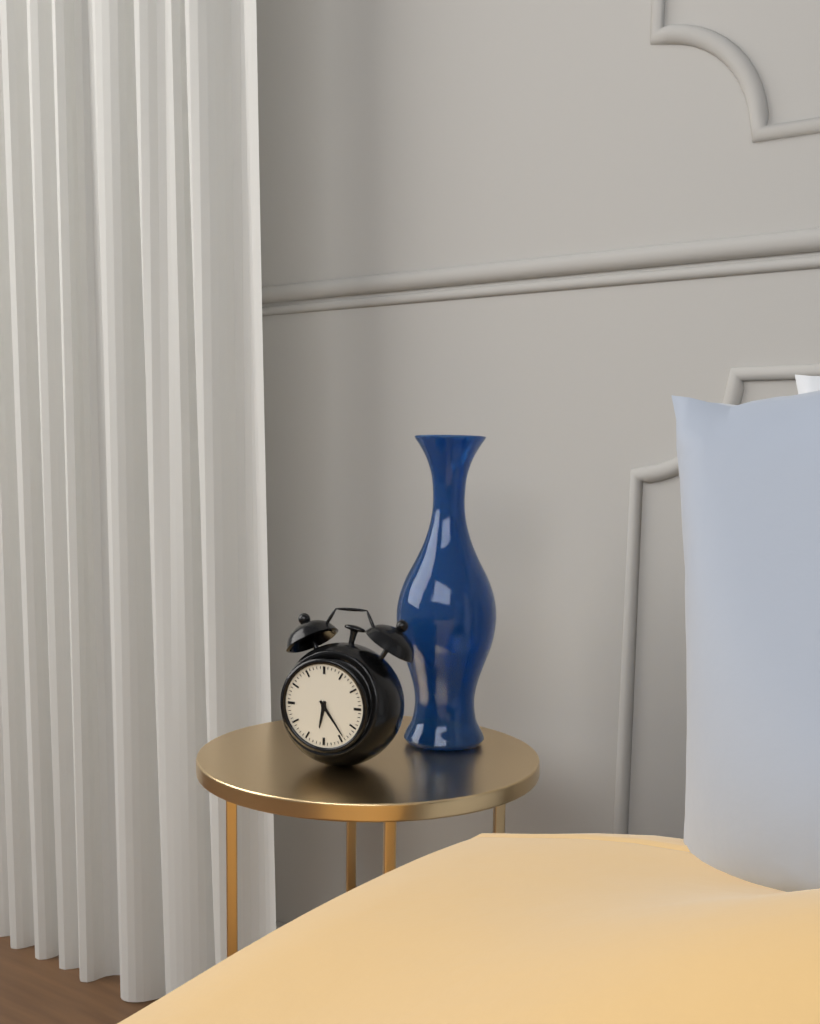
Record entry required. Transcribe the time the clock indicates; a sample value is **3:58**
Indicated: **6:24**
